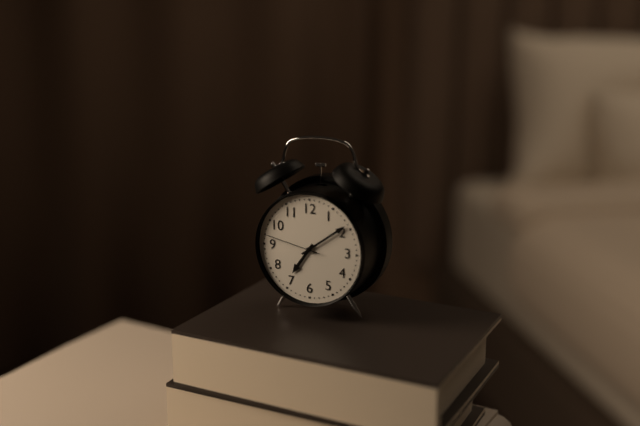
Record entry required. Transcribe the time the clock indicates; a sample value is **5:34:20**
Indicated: **7:09:47**
